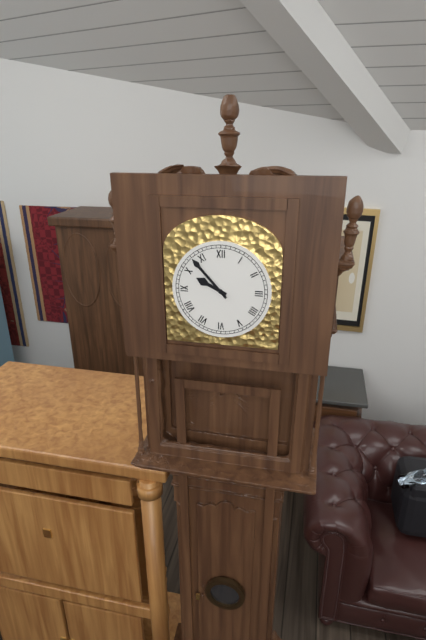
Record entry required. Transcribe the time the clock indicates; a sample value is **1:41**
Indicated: **9:53**
